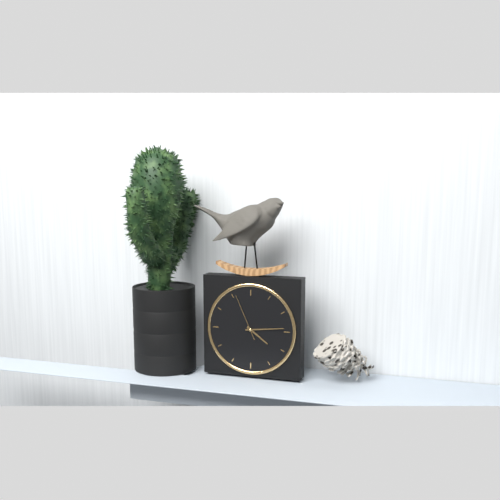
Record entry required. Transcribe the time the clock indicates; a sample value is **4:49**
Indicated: **4:14**
